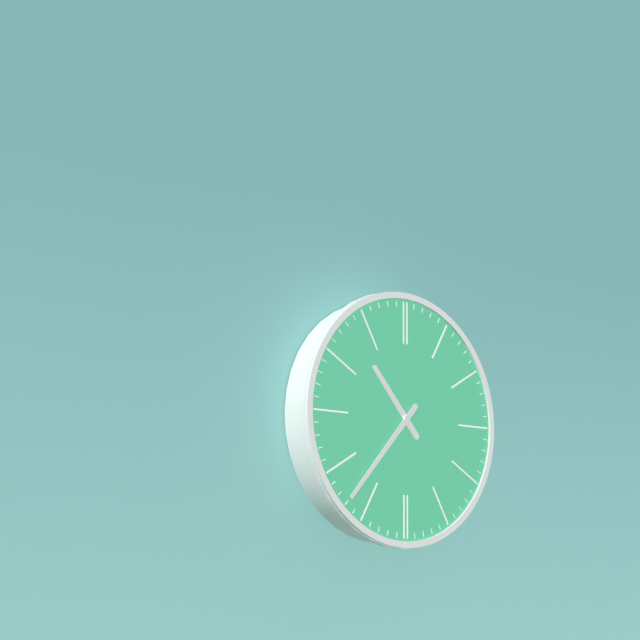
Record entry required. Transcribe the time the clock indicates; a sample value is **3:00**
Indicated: **10:37**
